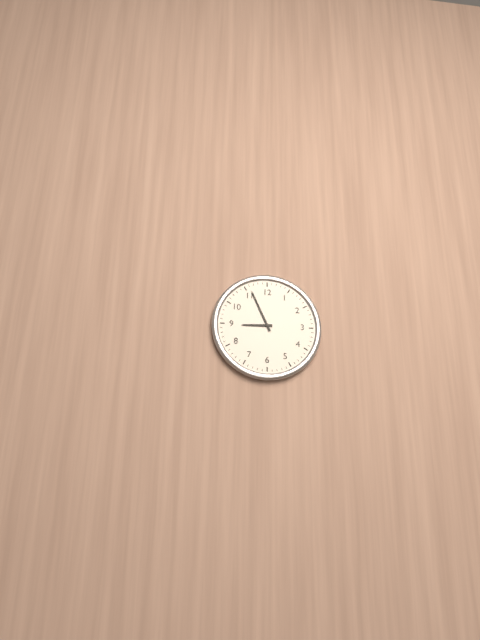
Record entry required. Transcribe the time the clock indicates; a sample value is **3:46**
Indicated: **8:56**
